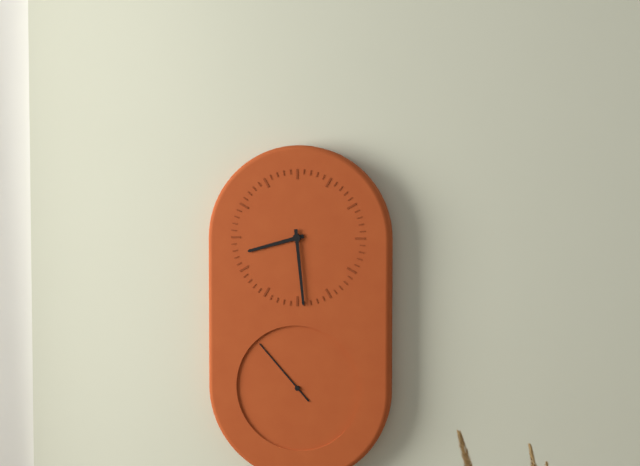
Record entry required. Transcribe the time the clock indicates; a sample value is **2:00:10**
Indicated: **8:29:53**
